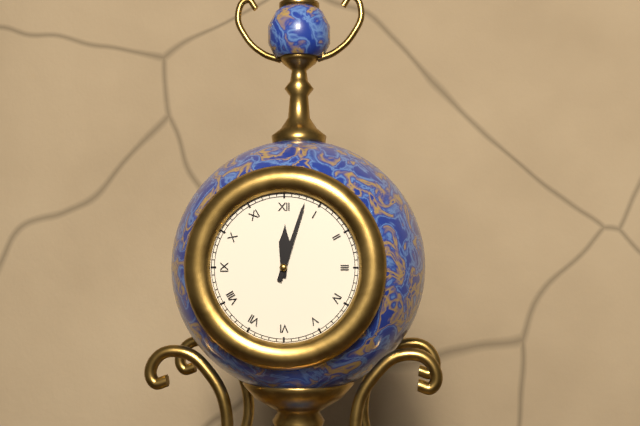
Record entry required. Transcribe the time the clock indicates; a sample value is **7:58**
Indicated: **12:03**
